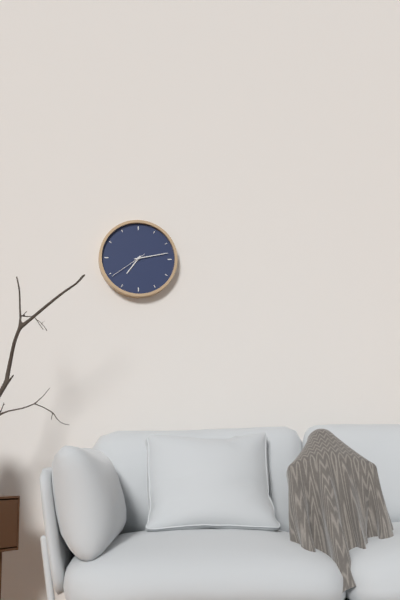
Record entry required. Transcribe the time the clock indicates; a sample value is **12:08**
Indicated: **7:13**
